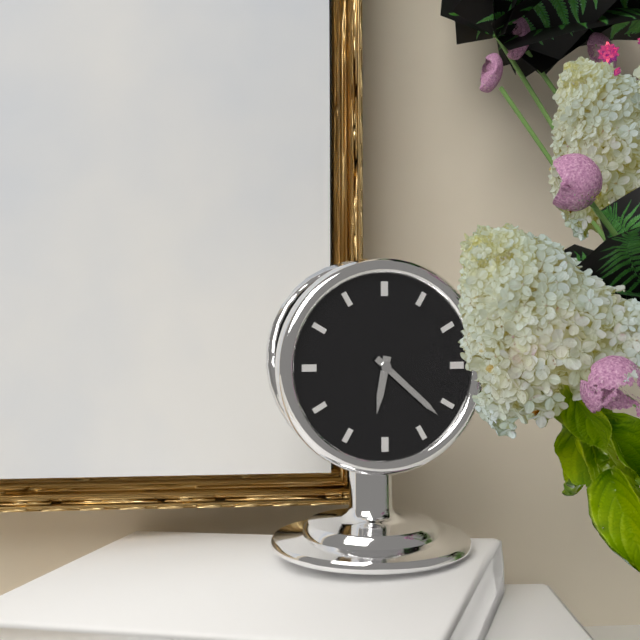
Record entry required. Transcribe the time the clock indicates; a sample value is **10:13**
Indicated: **6:22**
